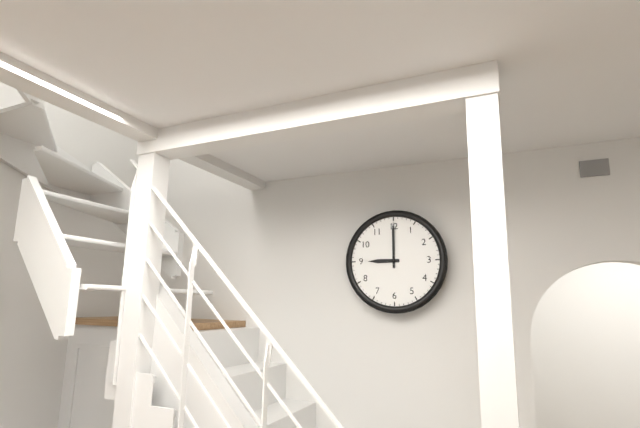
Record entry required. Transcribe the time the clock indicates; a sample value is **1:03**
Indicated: **9:00**
